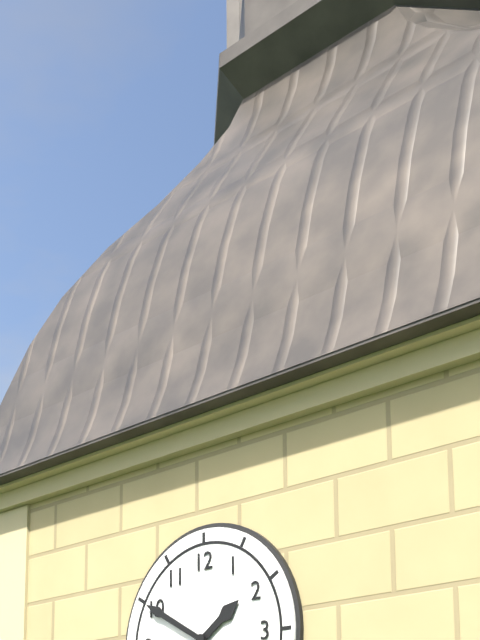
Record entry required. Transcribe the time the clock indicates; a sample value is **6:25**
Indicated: **1:50**
